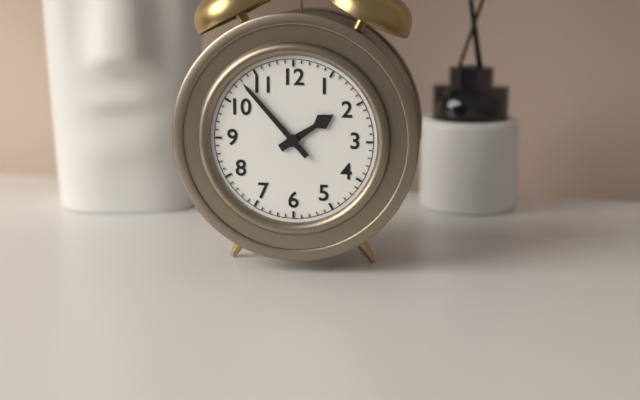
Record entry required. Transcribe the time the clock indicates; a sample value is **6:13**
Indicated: **1:53**
